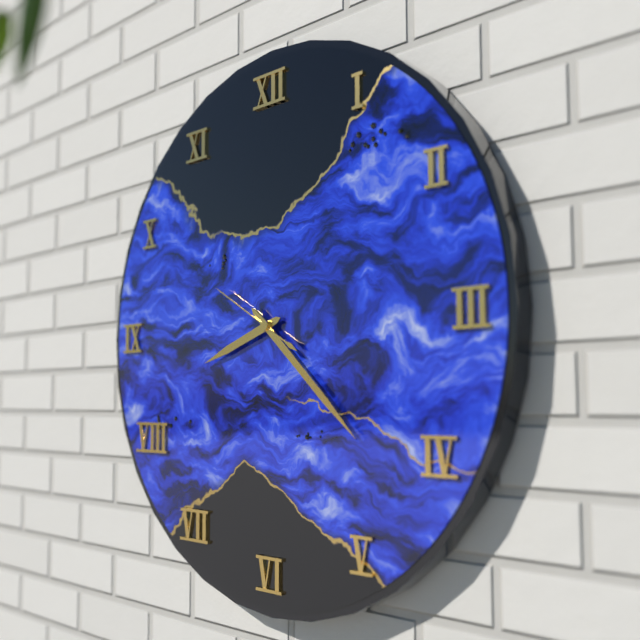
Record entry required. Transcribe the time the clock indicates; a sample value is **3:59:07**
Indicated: **8:22:50**
